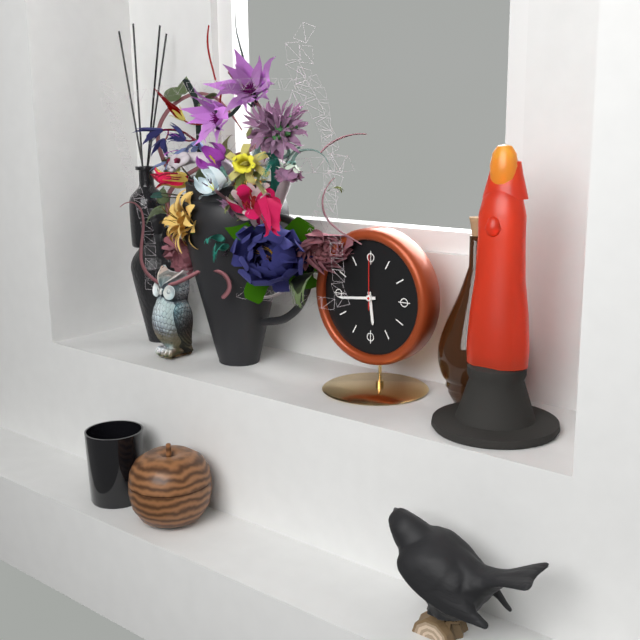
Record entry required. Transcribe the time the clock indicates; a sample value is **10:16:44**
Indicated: **5:44:00**
